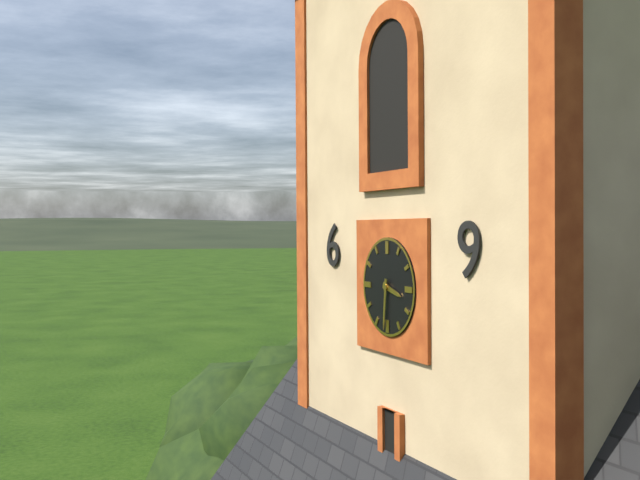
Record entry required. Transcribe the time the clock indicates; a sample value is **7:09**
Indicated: **3:31**
